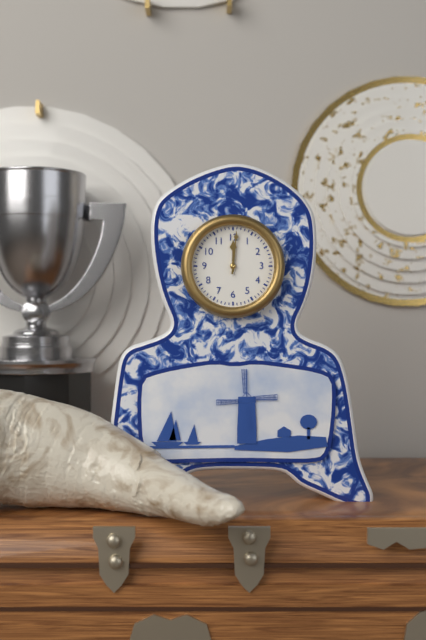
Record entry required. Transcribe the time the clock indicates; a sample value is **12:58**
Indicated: **12:01**
